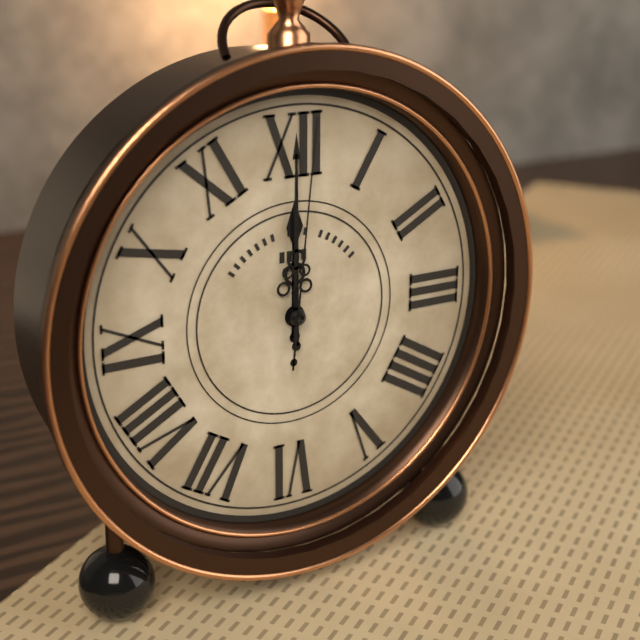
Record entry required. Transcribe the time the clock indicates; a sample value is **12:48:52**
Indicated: **12:00:01**
